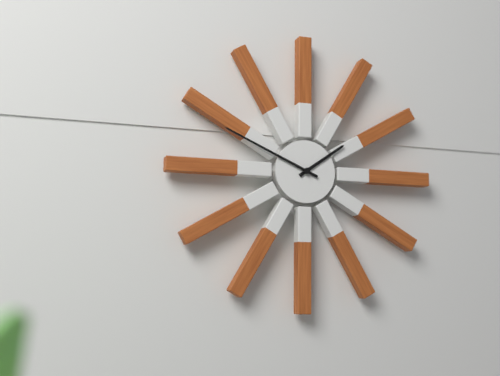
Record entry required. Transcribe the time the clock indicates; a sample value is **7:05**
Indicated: **1:49**
